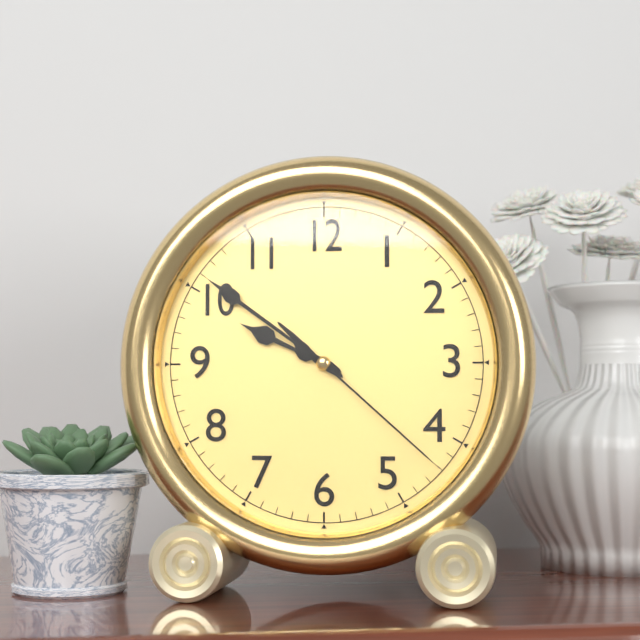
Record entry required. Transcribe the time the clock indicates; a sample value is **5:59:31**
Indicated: **9:51:22**
